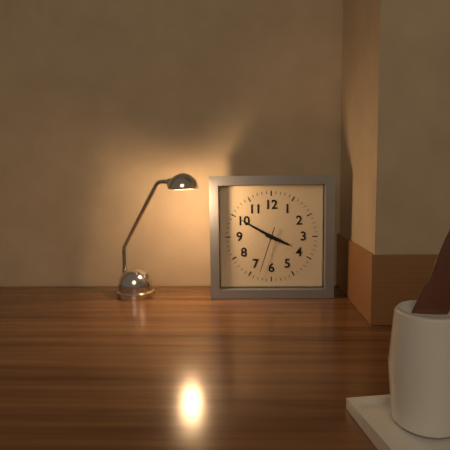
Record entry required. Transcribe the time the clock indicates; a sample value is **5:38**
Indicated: **3:50**
